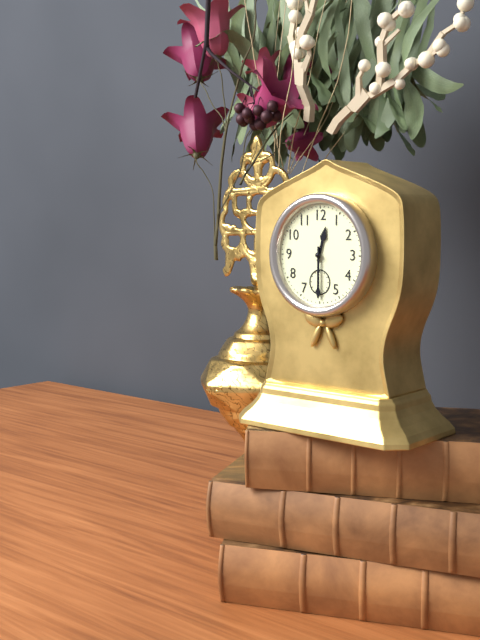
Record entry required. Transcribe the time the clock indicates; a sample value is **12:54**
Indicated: **12:30**
